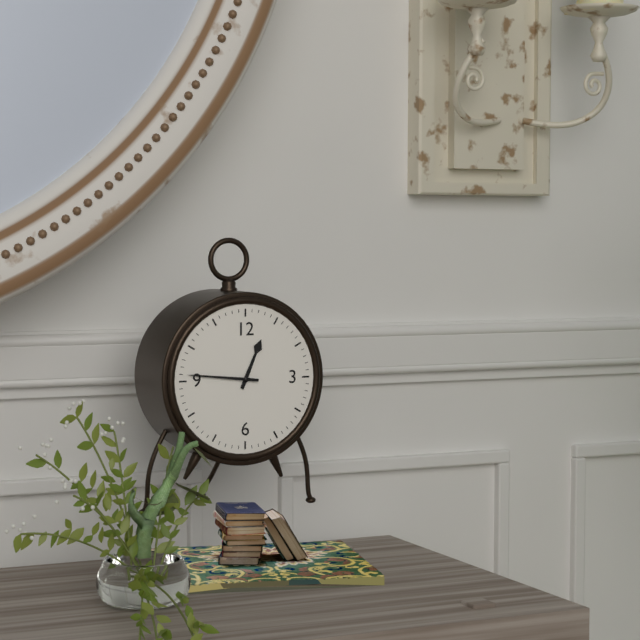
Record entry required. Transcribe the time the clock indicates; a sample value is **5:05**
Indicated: **12:46**
